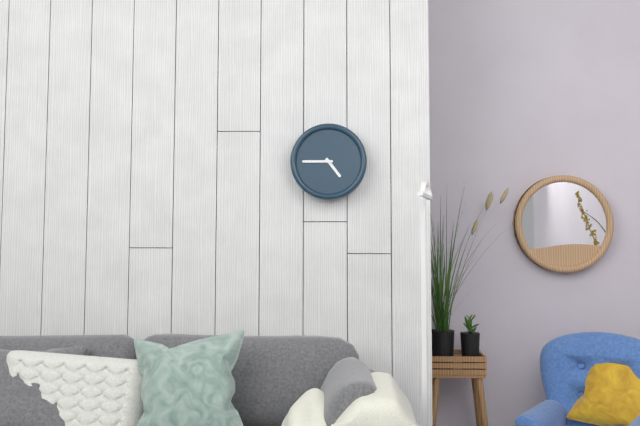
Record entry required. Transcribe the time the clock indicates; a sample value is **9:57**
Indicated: **4:45**
